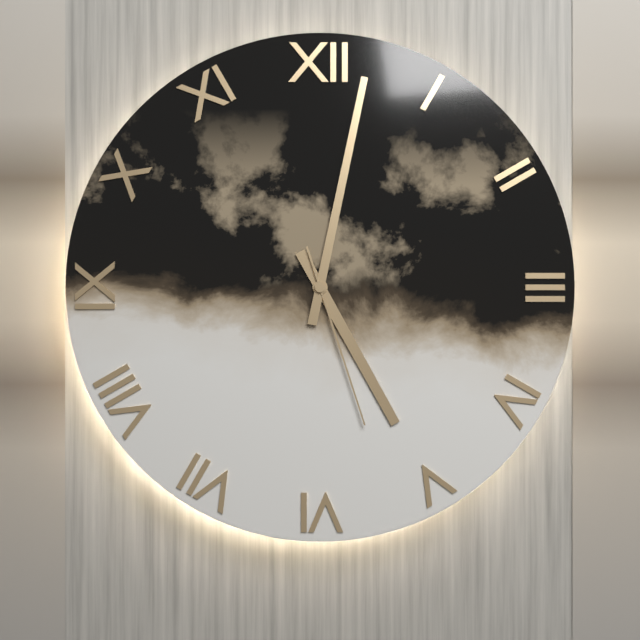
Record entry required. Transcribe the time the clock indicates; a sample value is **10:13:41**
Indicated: **5:02:27**
